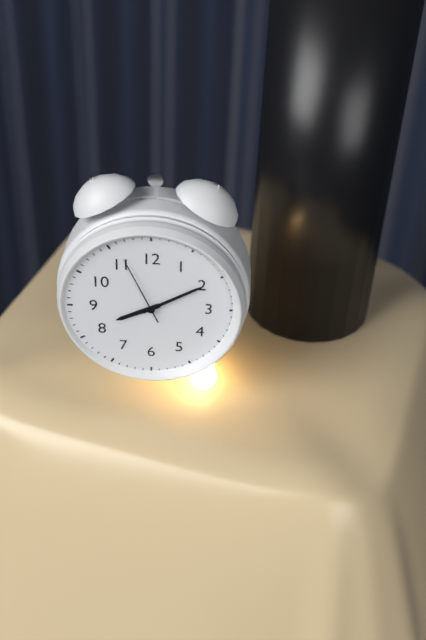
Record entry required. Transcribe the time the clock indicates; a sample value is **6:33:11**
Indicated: **8:10:56**
